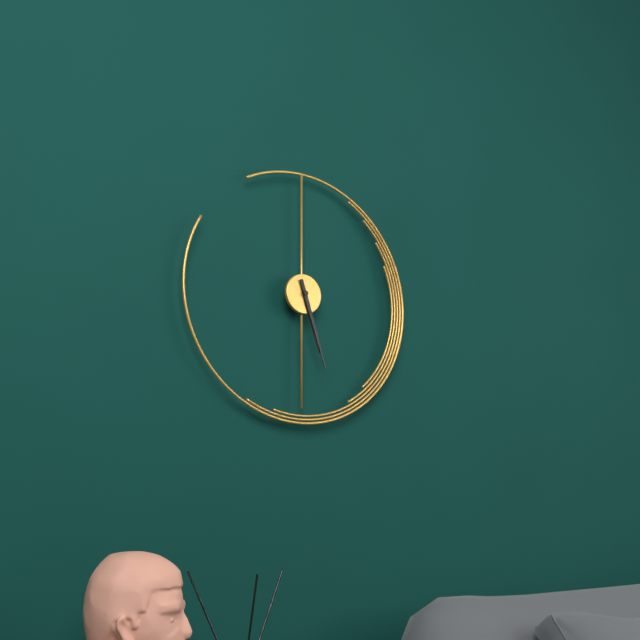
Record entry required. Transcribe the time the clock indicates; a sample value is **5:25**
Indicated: **5:27**
